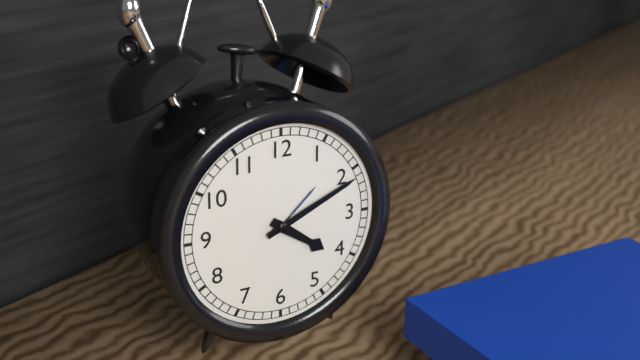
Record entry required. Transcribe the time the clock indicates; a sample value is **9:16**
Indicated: **4:11**
